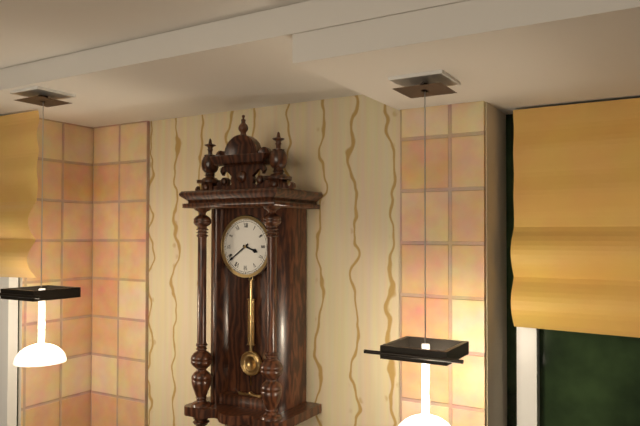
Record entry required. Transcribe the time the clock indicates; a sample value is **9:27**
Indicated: **3:39**
